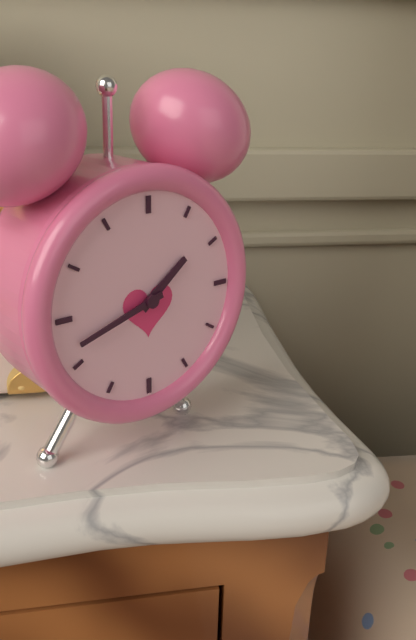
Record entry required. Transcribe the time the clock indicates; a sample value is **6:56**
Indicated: **1:42**
